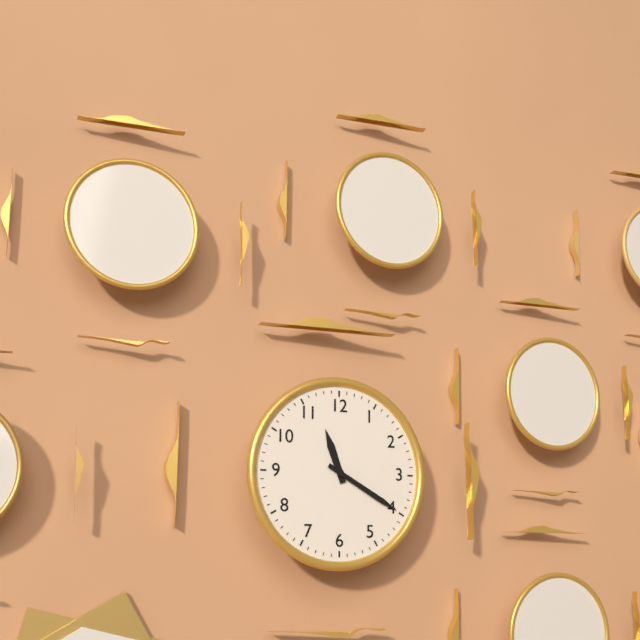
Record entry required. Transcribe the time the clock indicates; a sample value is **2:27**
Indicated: **11:20**
